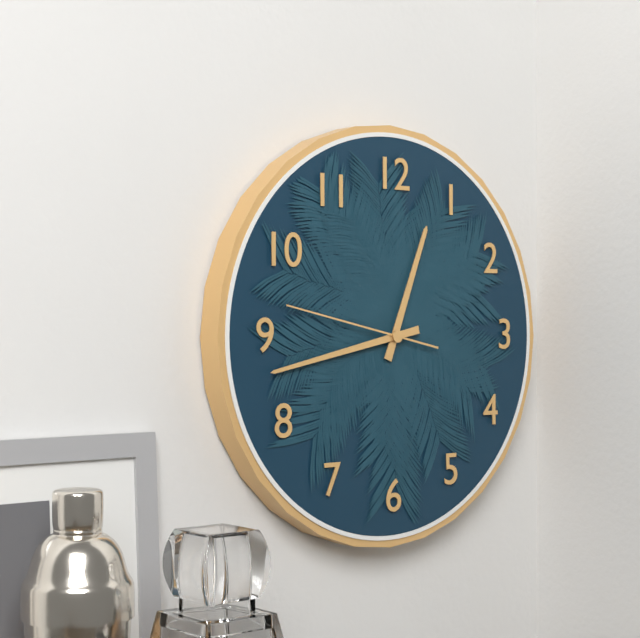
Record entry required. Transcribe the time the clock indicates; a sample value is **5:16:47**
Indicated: **12:43:47**
